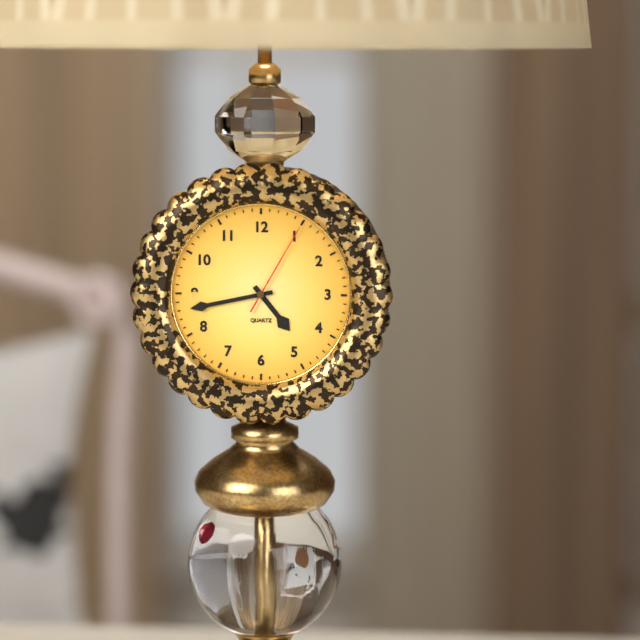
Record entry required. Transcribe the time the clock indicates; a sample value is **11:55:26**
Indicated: **4:43:05**
